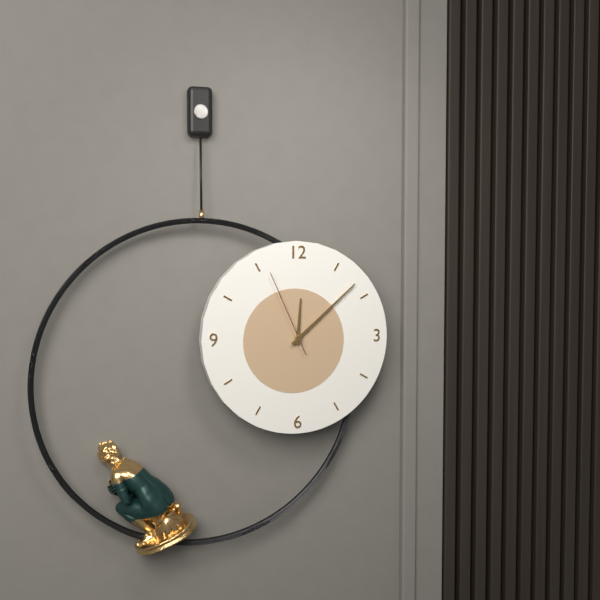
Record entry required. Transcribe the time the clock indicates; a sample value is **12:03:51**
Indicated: **12:08:56**
